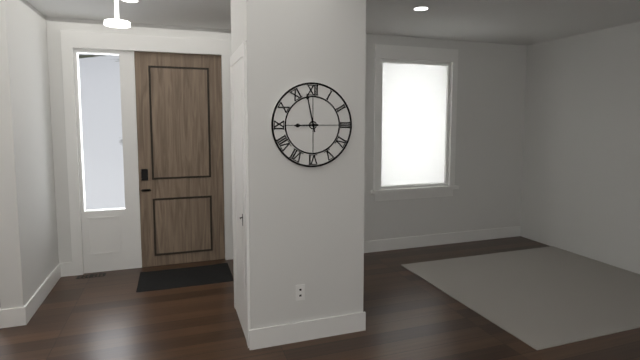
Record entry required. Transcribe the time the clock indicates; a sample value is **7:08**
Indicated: **8:58**
